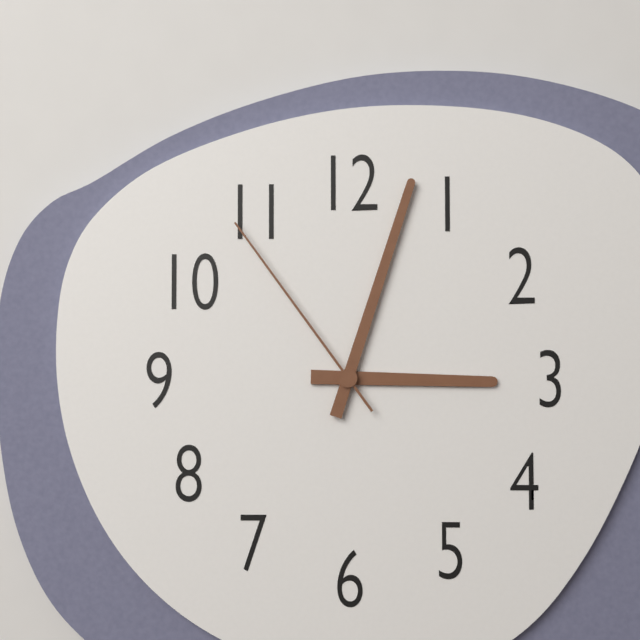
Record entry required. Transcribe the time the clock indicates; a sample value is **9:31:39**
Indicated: **3:03:54**
